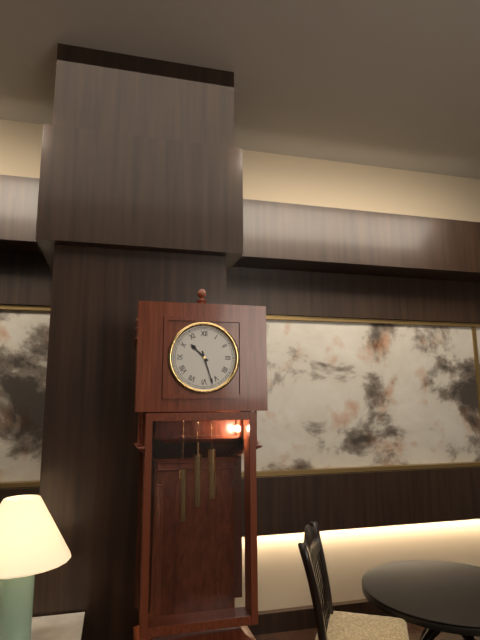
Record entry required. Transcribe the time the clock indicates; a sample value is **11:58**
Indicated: **10:27**
